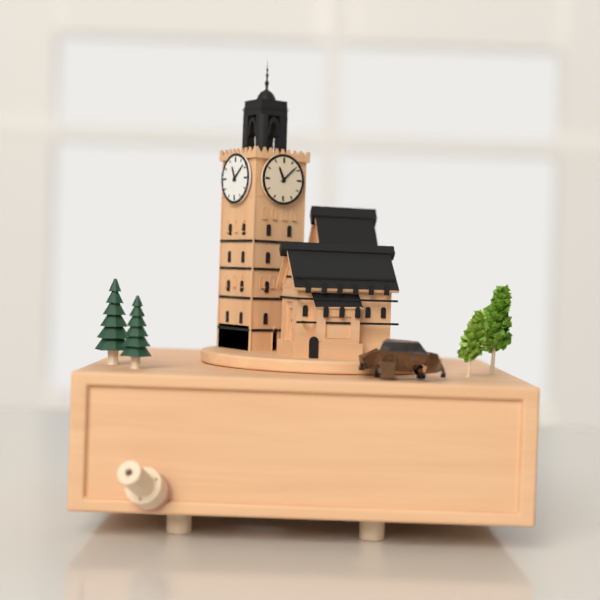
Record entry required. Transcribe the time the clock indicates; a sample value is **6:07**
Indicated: **11:08**
